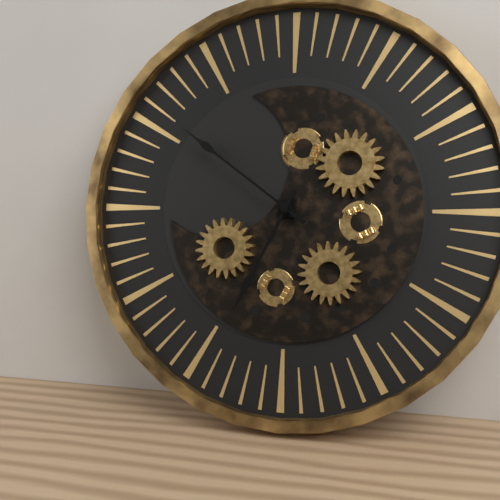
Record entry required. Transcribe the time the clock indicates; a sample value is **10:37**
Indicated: **6:51**
